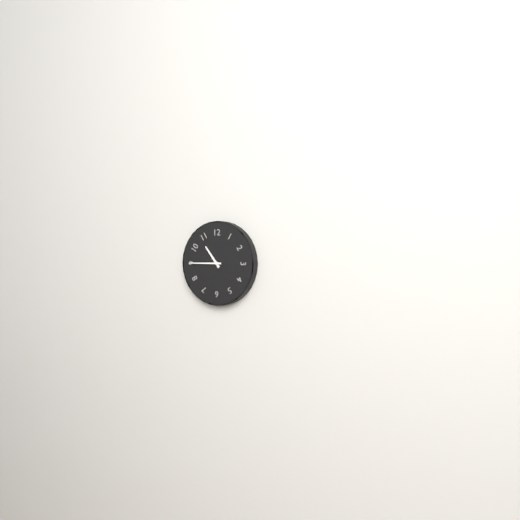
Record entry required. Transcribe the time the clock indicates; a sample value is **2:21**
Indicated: **10:45**
